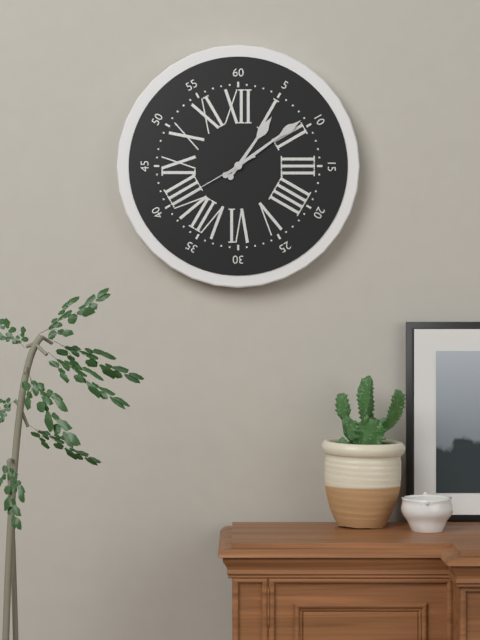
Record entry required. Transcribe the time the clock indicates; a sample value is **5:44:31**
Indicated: **1:09:40**
